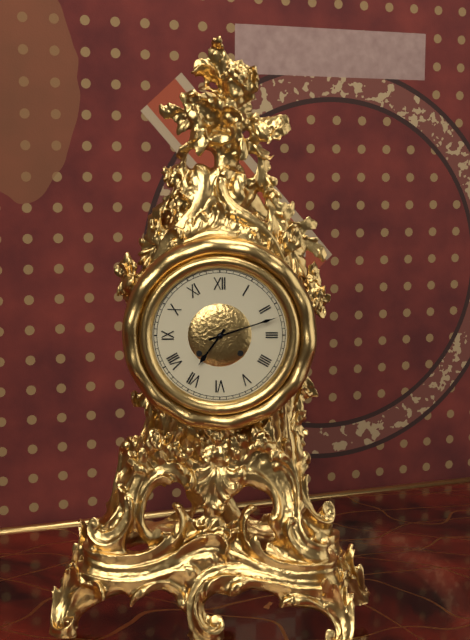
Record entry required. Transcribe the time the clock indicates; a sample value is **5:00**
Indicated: **7:12**
